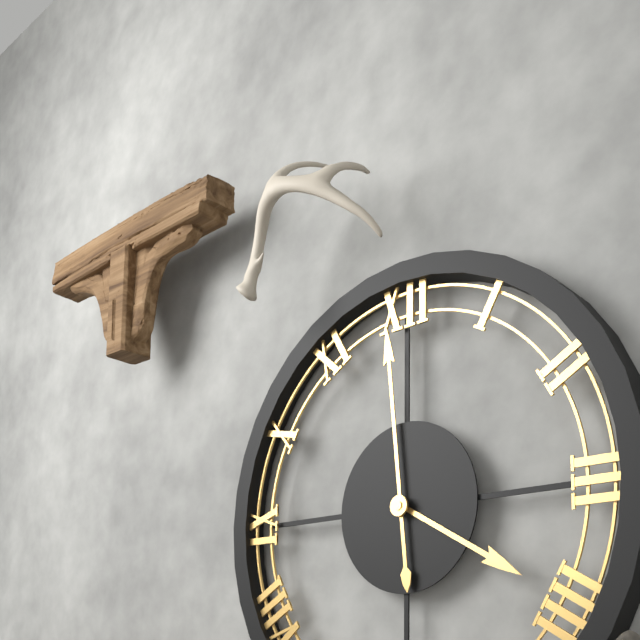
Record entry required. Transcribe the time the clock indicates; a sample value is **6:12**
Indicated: **3:59**
